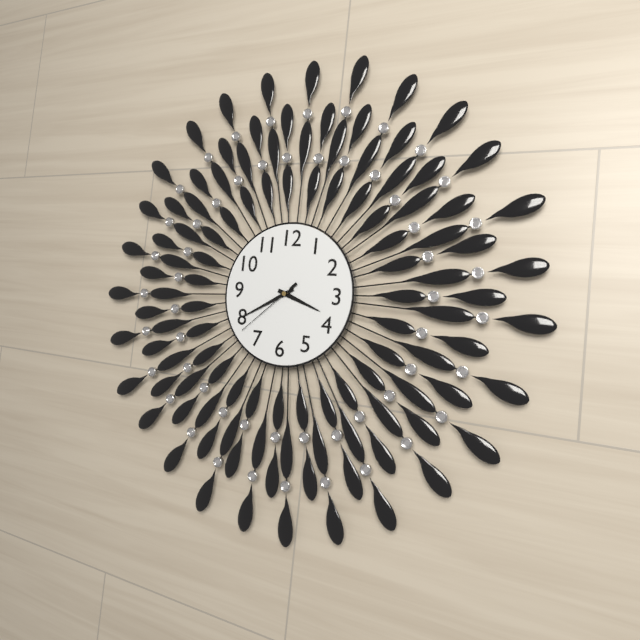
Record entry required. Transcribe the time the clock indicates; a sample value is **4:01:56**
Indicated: **3:40:38**
